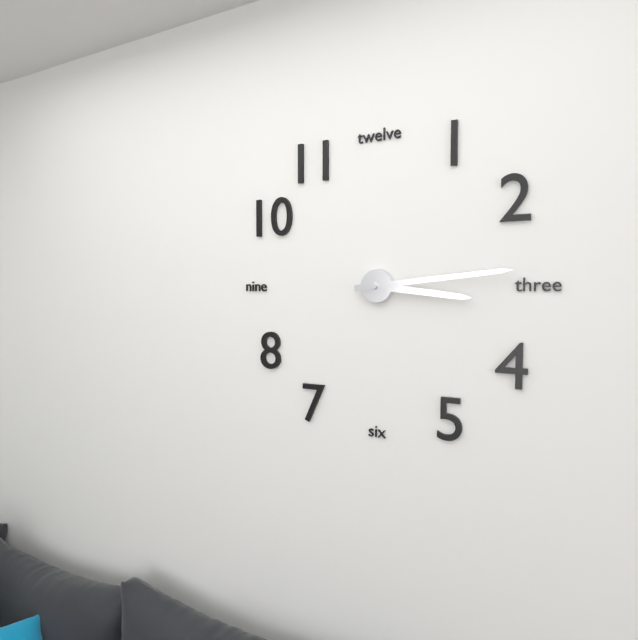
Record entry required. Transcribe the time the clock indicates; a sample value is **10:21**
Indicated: **3:14**
